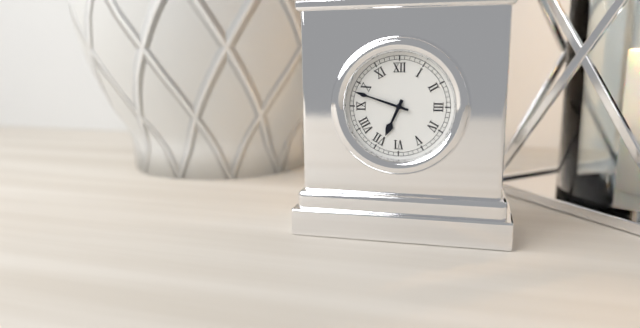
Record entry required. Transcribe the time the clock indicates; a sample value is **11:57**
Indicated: **6:48**
